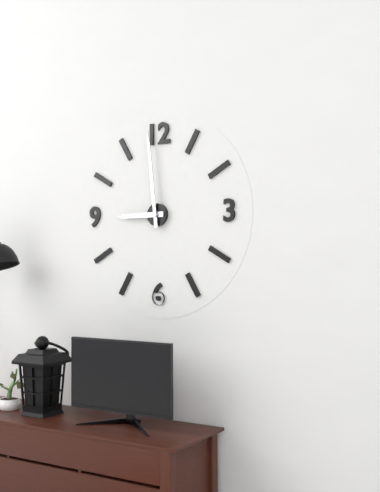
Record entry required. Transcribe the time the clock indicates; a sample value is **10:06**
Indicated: **8:59**
